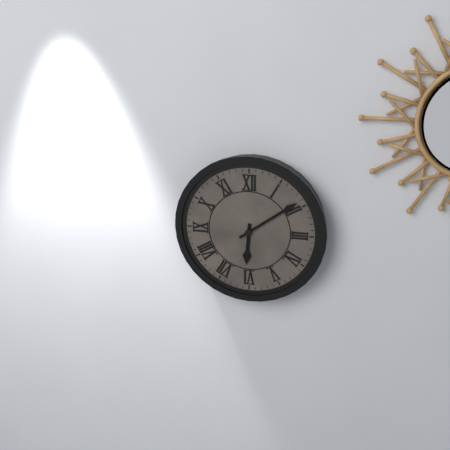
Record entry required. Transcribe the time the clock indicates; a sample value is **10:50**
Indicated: **6:09**
